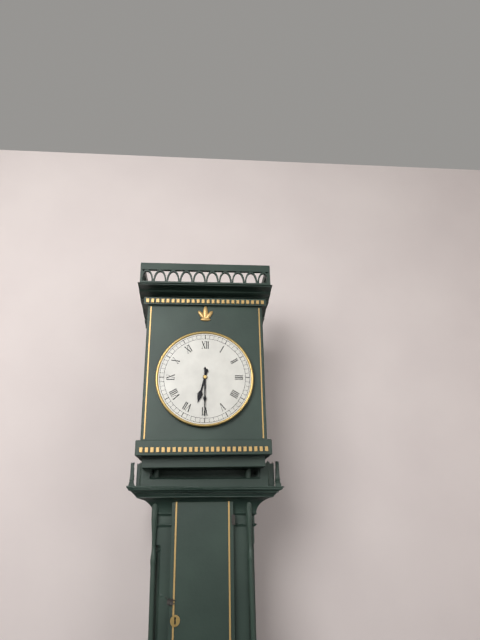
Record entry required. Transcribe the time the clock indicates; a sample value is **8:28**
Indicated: **6:30**
